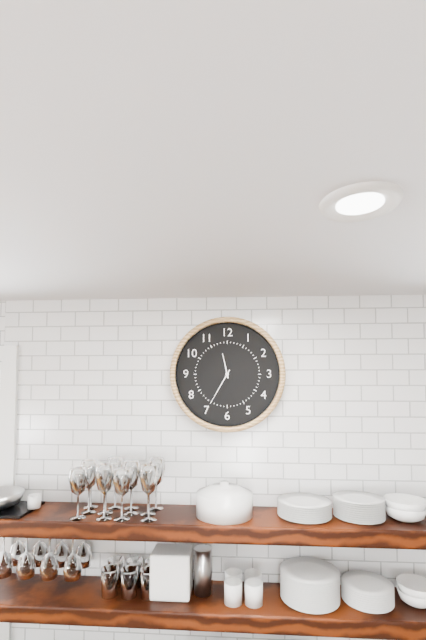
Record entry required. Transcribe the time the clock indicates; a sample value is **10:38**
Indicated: **11:35**
